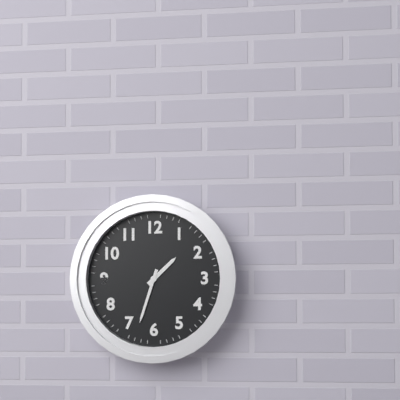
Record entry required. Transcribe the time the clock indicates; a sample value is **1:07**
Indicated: **1:33**
